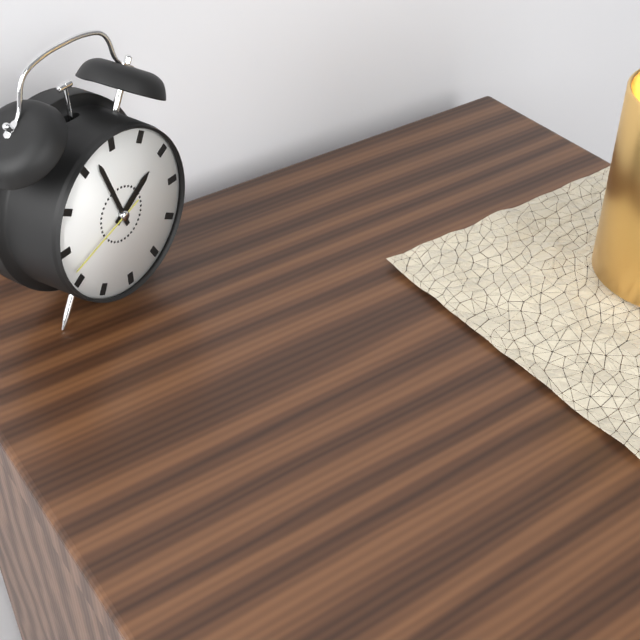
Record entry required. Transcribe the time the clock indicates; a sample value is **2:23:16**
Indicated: **1:57:42**
